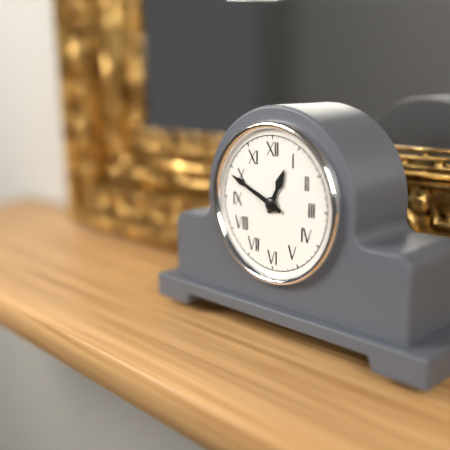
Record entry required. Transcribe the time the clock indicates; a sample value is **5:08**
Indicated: **12:49**
